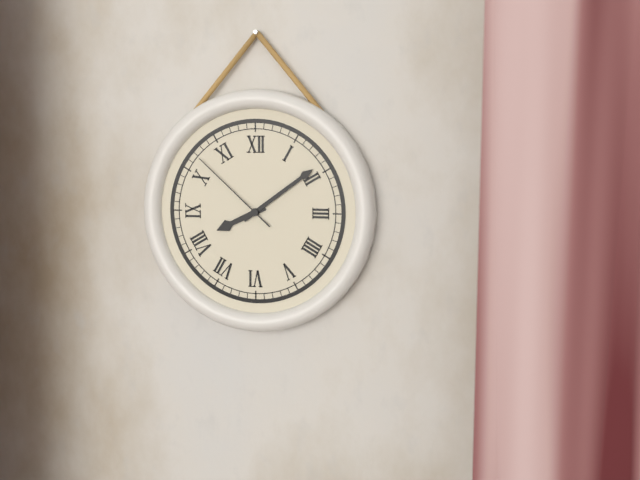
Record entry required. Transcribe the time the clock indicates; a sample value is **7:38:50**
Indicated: **8:09:52**
